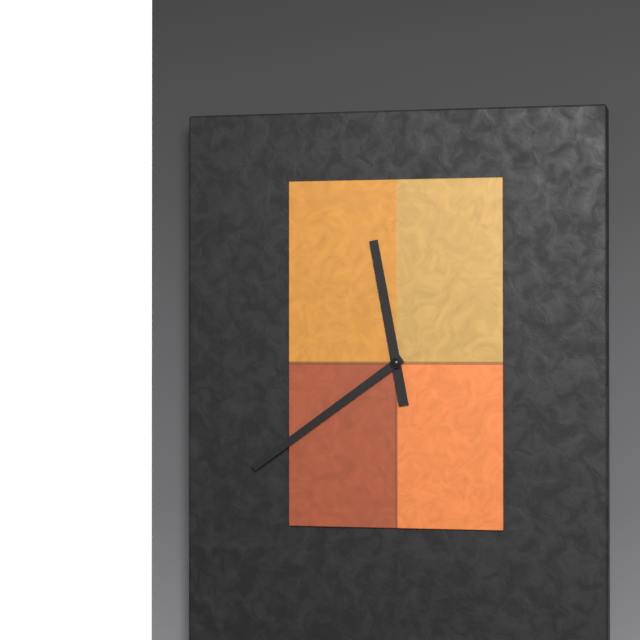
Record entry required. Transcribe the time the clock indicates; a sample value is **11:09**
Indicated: **11:39**
